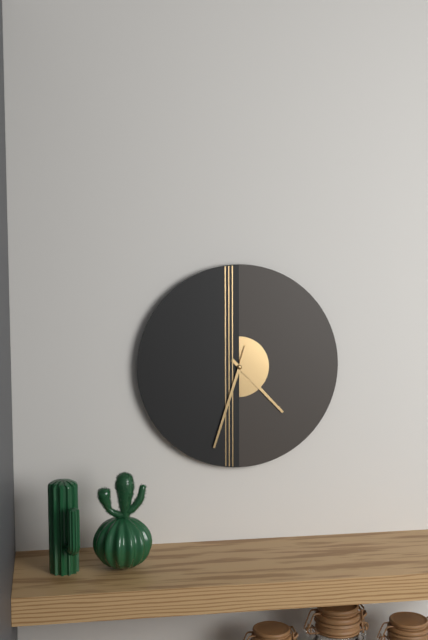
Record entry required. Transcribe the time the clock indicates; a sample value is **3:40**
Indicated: **4:33**
